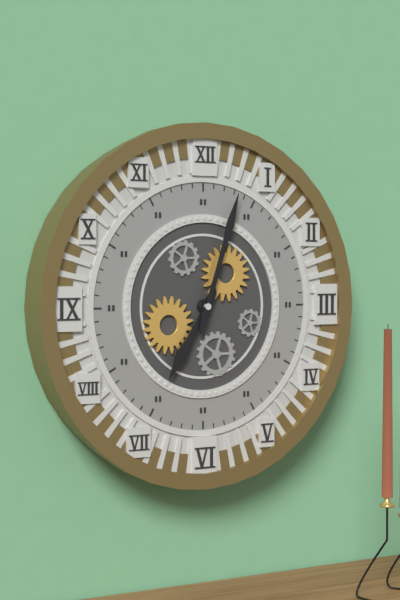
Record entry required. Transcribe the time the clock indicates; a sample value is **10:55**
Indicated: **7:03**
